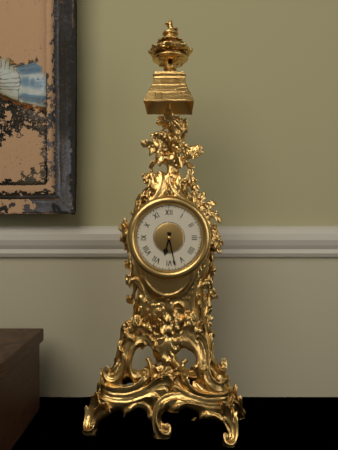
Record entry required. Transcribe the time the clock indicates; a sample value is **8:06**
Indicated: **6:28**
